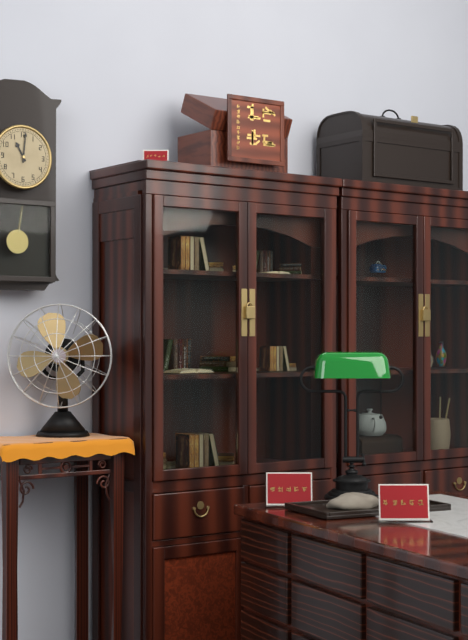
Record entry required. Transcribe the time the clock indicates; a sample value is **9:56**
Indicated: **11:01**
